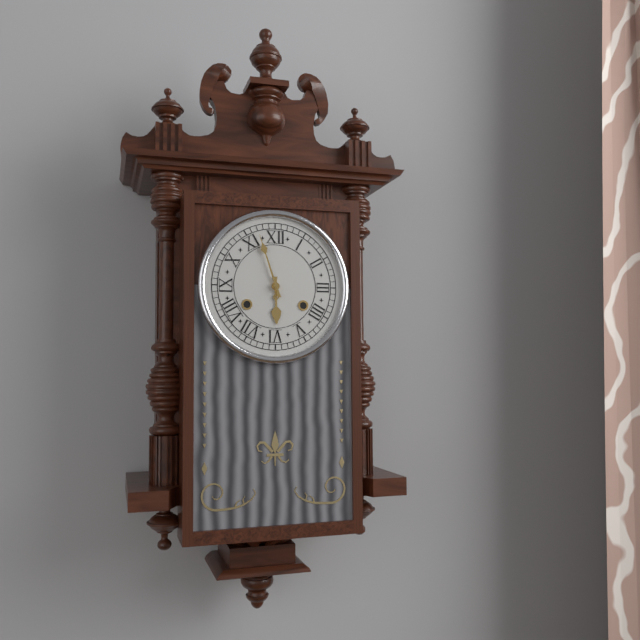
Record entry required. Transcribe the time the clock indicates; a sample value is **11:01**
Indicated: **5:57**
